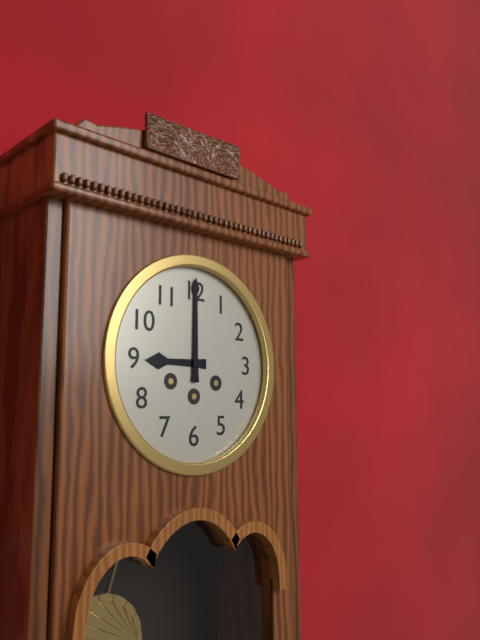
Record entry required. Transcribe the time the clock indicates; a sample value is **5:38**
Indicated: **9:00**
